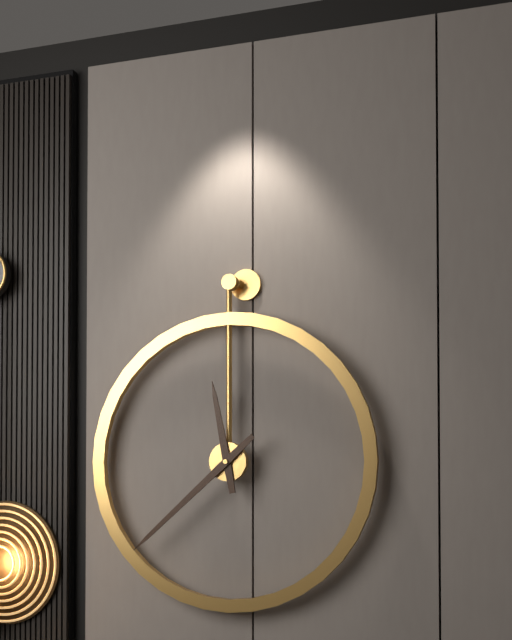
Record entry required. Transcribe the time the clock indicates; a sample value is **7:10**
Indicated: **11:38**
